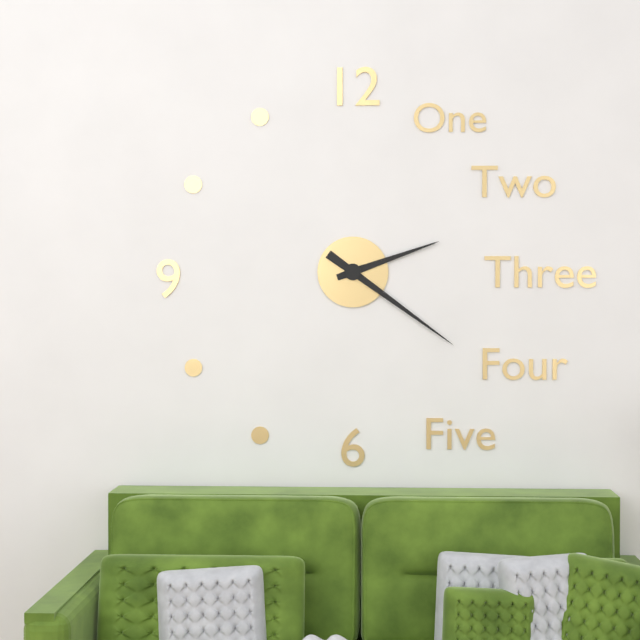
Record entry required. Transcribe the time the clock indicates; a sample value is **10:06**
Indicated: **2:21**
